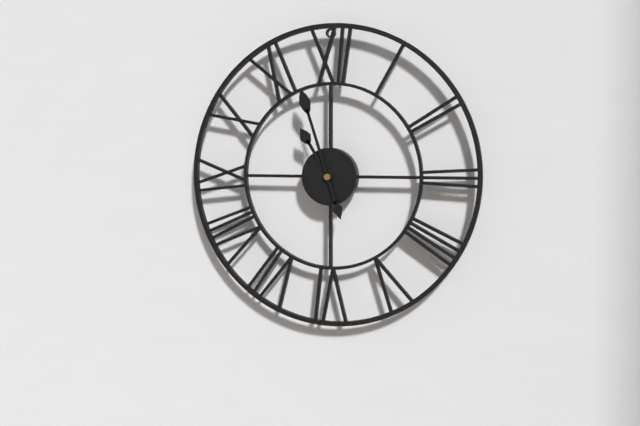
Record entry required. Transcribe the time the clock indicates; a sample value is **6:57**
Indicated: **10:57**
